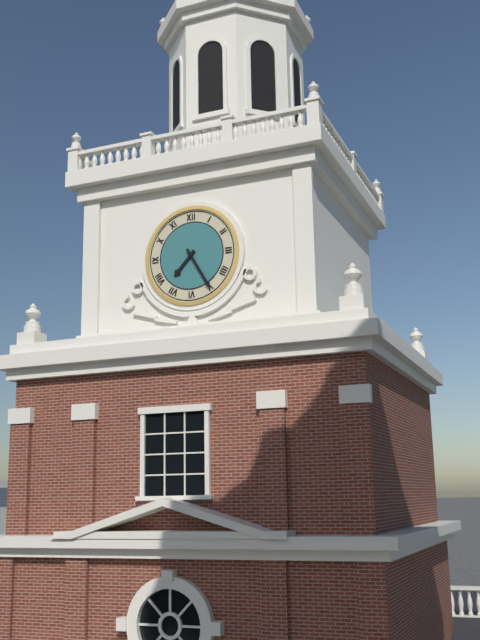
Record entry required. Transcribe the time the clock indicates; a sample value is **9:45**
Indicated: **7:25**
